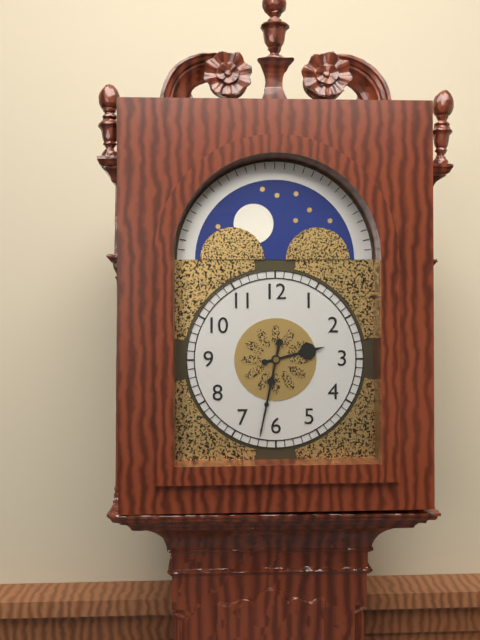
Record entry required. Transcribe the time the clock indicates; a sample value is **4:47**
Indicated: **2:32**
